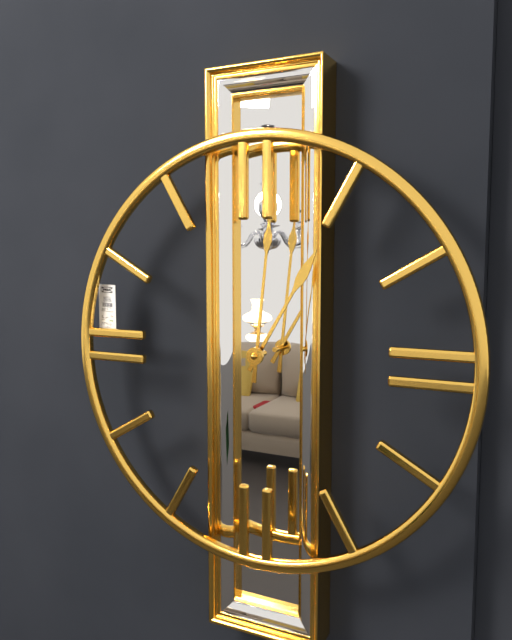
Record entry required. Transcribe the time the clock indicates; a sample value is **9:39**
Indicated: **1:01**
